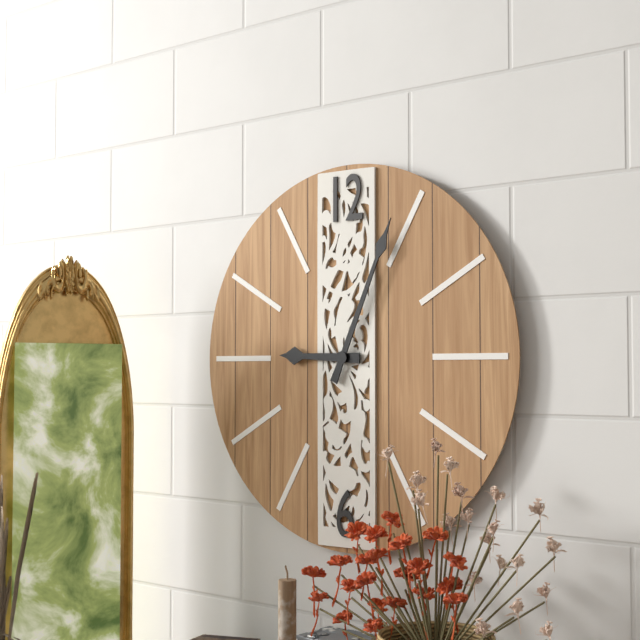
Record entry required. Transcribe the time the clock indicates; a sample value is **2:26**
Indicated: **9:04**
